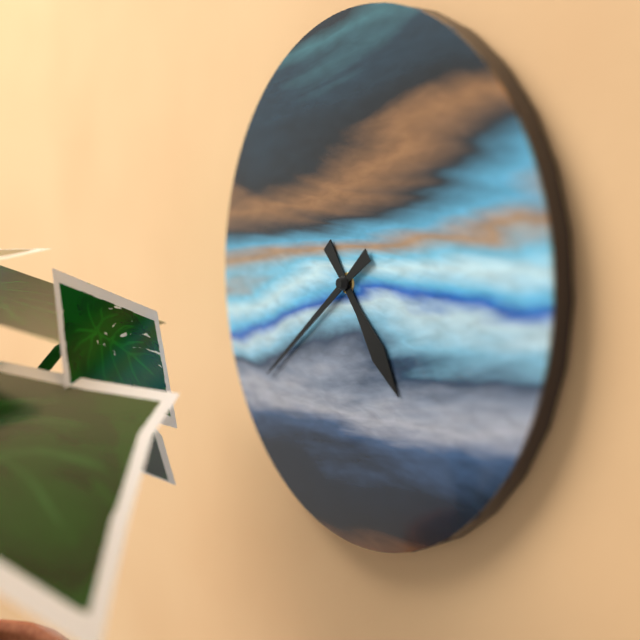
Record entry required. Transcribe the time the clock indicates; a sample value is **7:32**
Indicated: **4:39**
